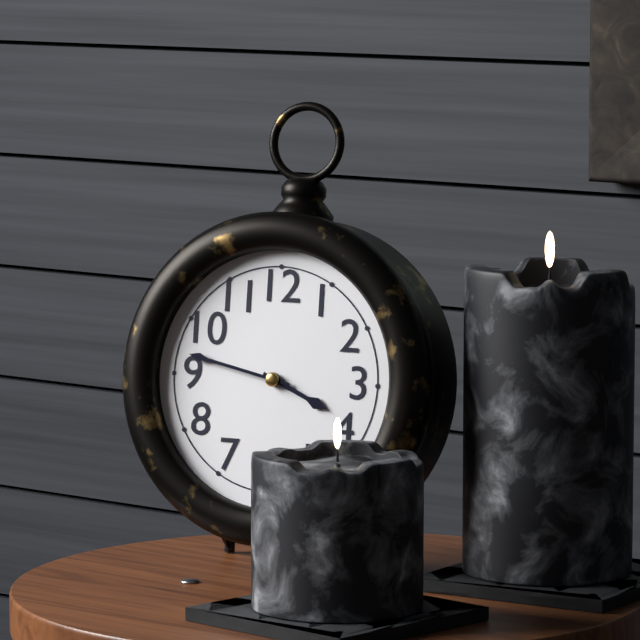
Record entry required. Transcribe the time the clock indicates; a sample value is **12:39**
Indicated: **3:47**
